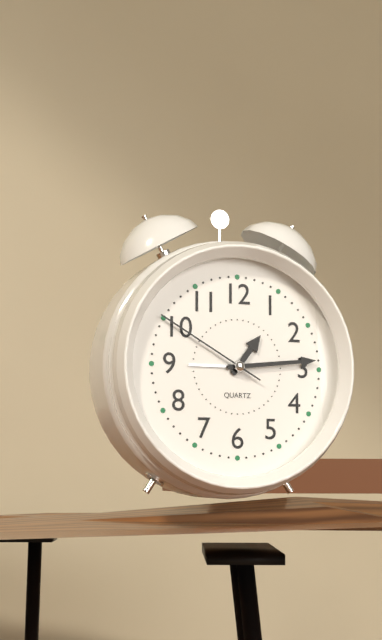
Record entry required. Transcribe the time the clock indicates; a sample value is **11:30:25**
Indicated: **1:14:50**
